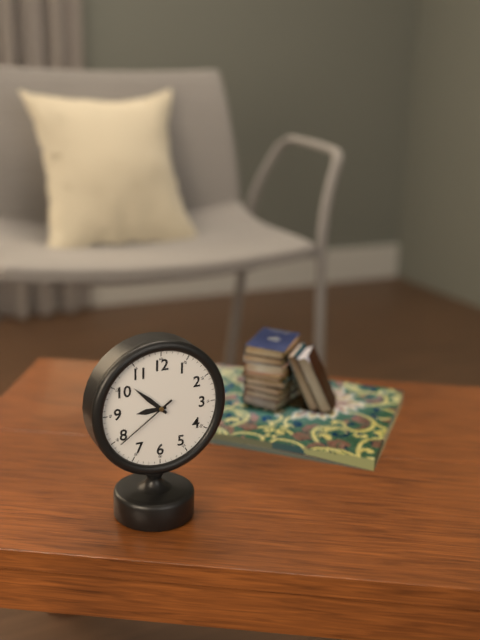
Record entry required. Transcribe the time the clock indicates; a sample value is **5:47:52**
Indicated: **8:52:39**
